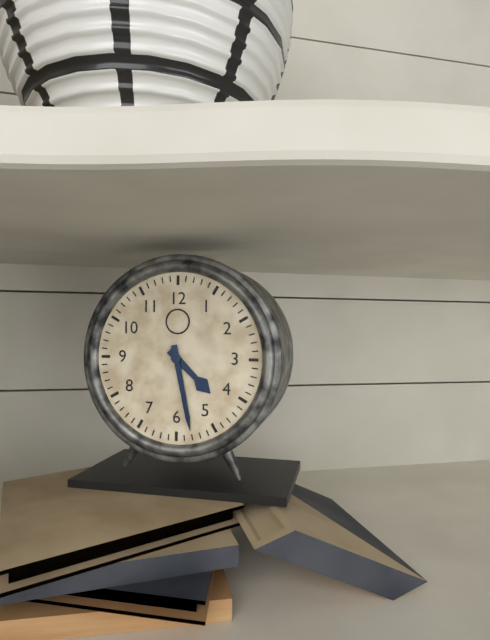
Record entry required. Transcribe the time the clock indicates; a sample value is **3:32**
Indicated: **4:28**
